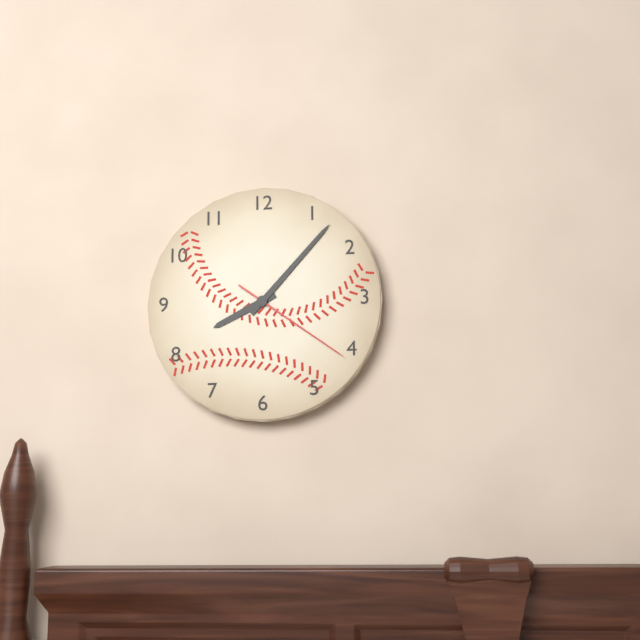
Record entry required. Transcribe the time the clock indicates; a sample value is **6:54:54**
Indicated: **8:07:21**
